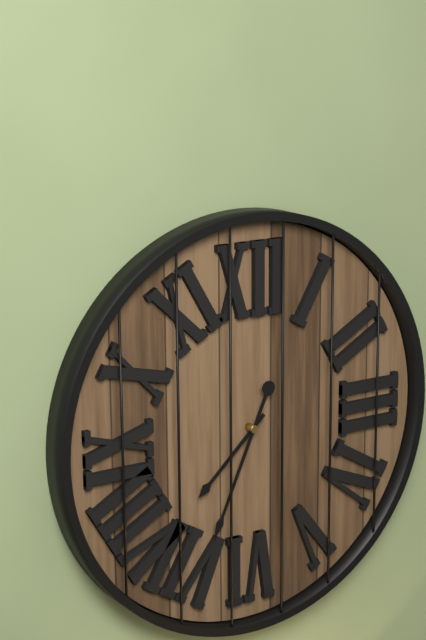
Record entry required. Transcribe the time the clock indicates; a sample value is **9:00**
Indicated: **7:34**
